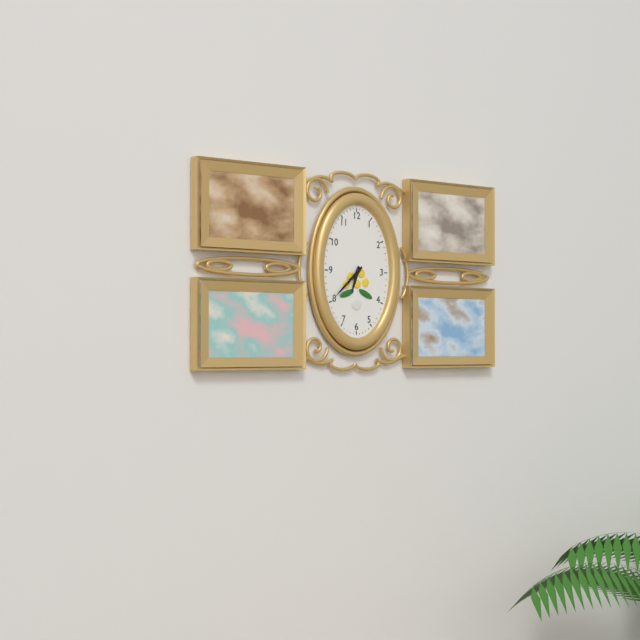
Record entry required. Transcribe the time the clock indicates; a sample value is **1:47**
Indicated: **6:38**
